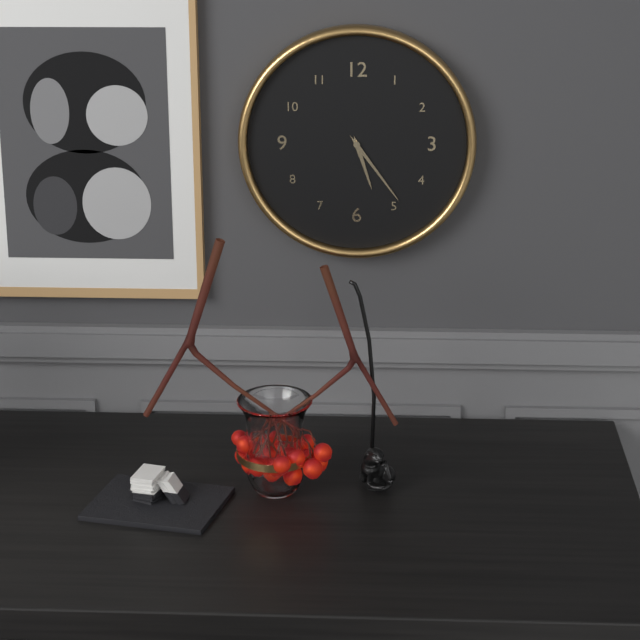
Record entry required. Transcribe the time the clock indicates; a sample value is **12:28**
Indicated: **5:24**
